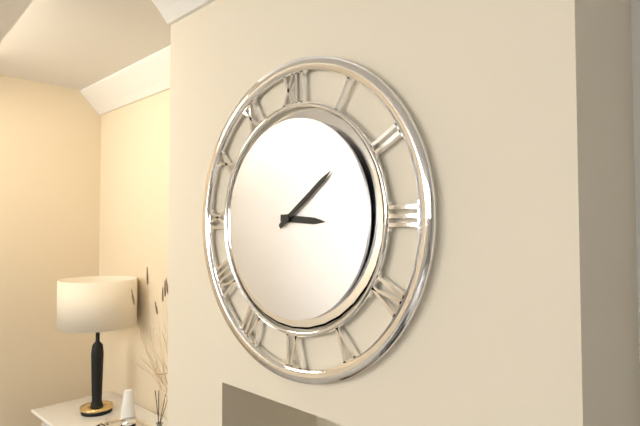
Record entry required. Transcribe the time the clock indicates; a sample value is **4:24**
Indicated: **3:09**
